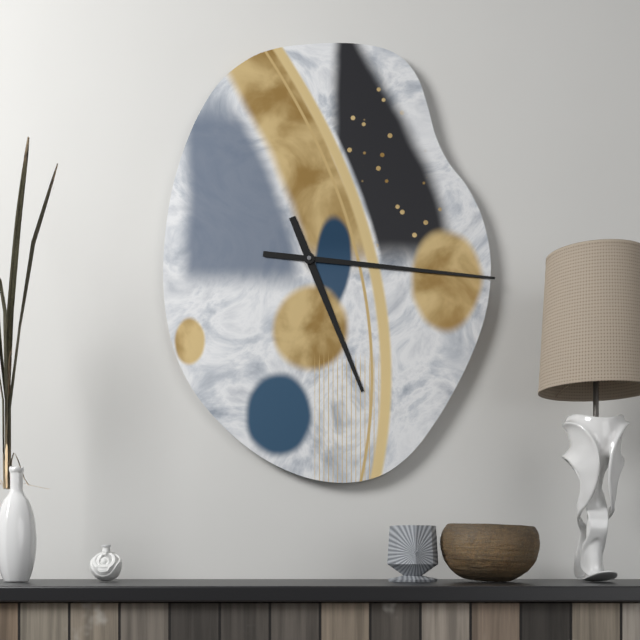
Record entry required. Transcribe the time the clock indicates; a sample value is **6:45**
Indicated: **5:16**
